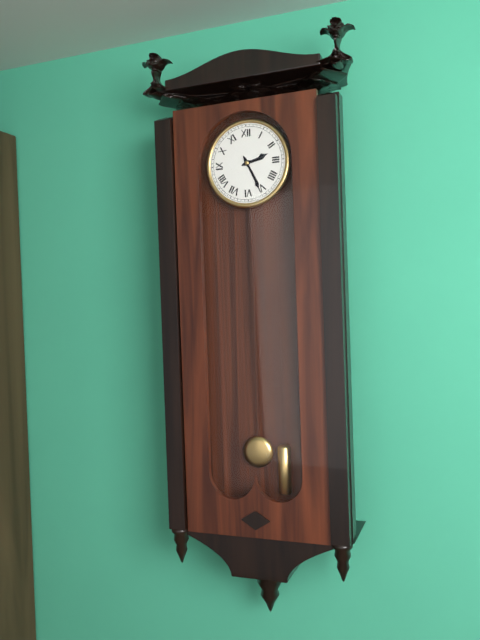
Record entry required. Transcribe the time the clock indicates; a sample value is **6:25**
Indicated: **2:26**
